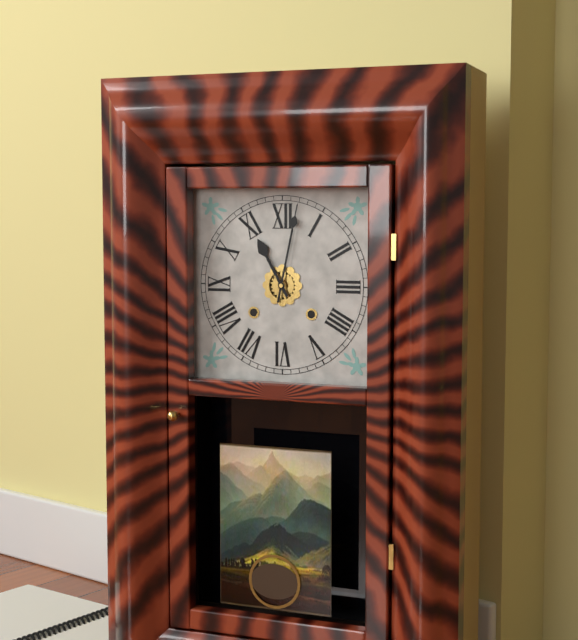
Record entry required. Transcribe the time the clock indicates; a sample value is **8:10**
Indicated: **11:02**
